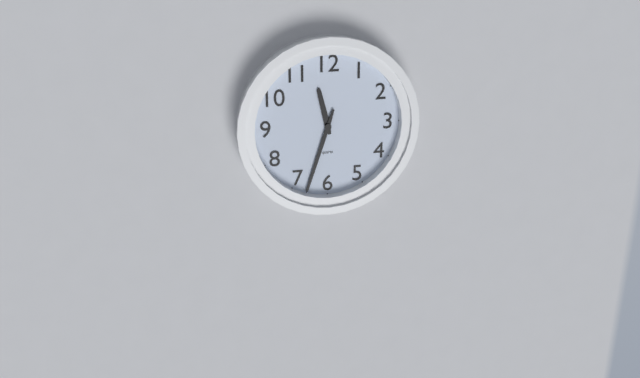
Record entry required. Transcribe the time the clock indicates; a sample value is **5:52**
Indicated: **11:33**
